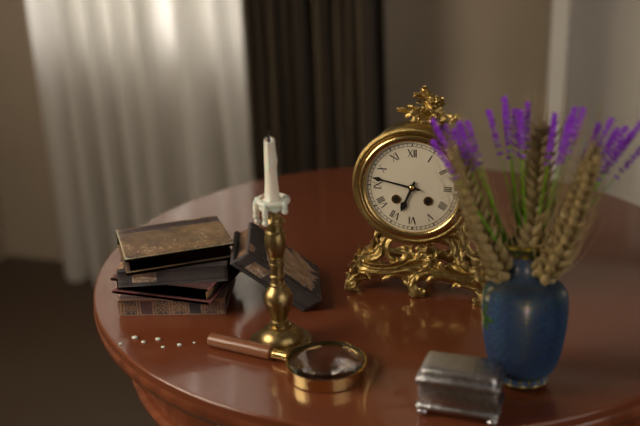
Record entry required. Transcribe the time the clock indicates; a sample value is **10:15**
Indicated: **6:47**
